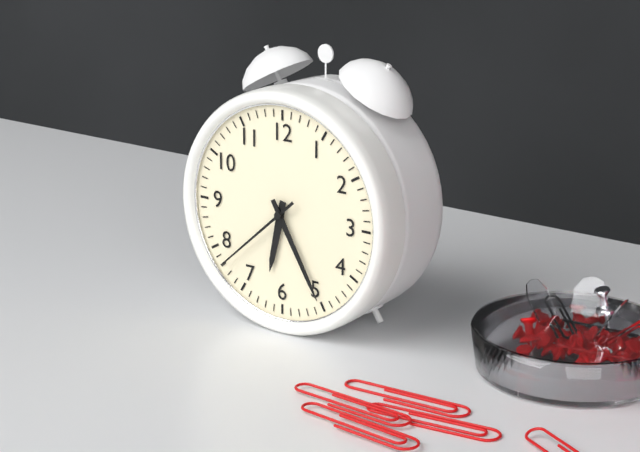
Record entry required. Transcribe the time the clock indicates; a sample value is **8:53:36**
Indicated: **6:25:38**
